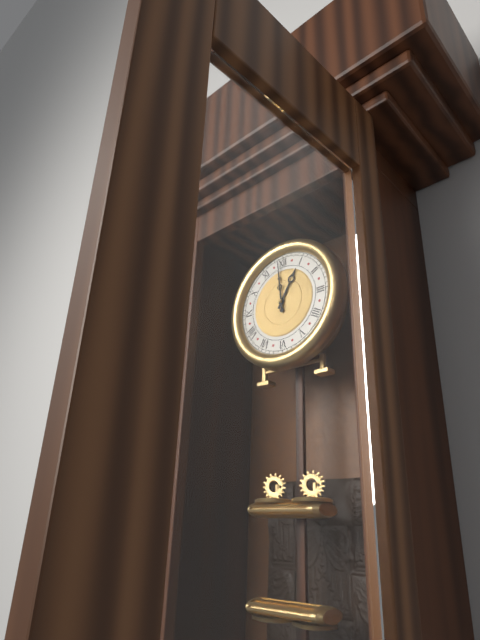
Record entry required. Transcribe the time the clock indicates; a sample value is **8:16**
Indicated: **12:59**
